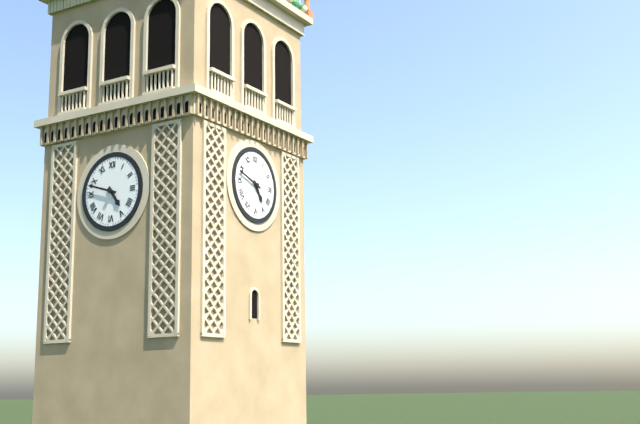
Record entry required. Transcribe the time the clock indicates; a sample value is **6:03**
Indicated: **4:48**
